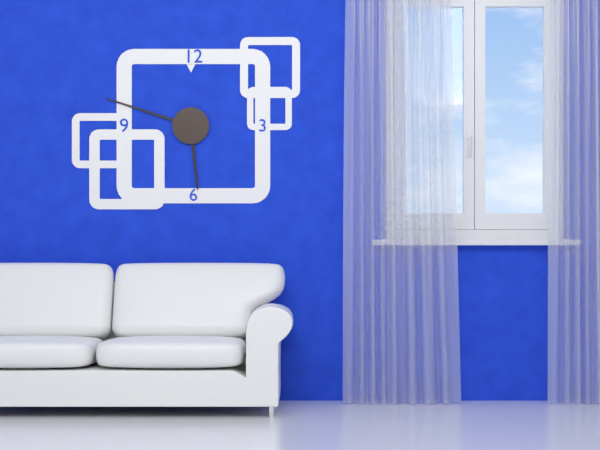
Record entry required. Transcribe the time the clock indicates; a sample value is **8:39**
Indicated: **5:48**
